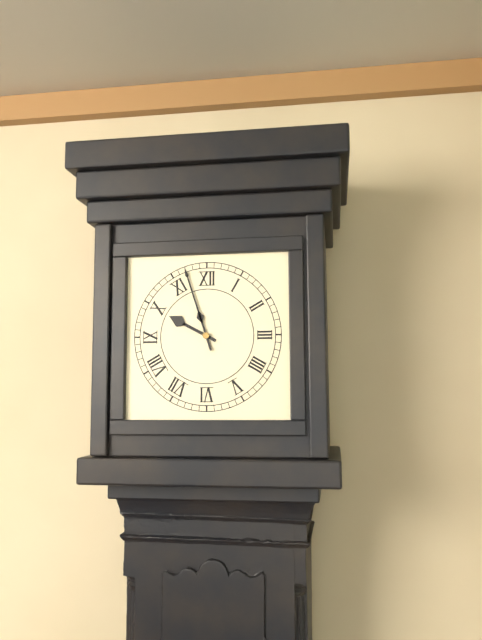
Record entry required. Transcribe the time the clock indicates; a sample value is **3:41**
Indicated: **9:57**
